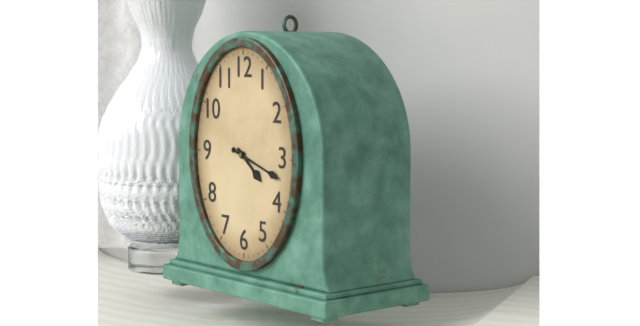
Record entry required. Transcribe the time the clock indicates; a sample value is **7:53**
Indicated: **4:18**
